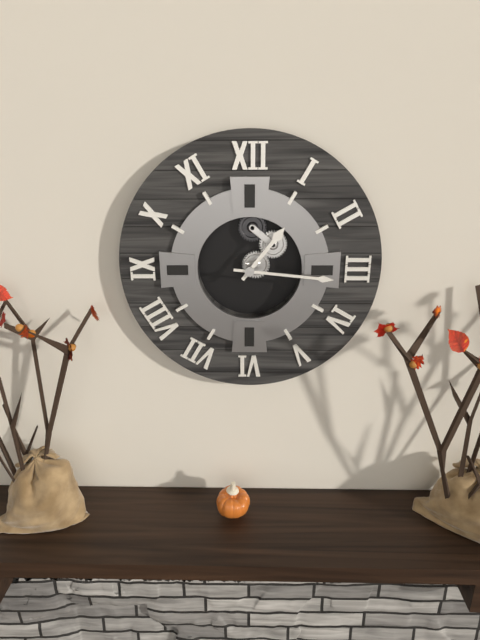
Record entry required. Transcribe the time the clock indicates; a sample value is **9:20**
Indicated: **1:16**
